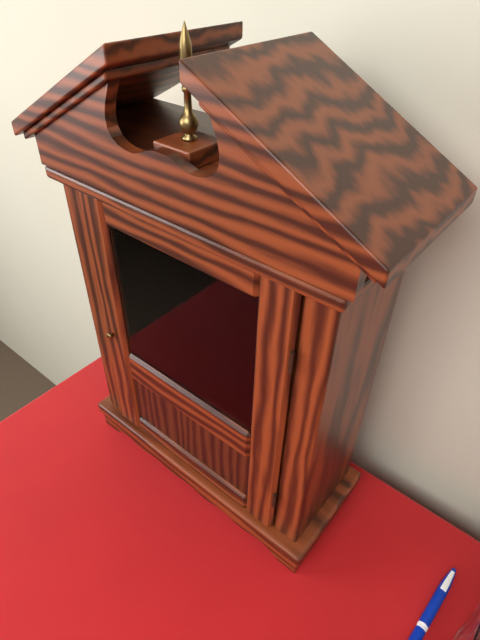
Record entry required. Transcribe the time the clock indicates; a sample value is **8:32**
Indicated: **6:52**
